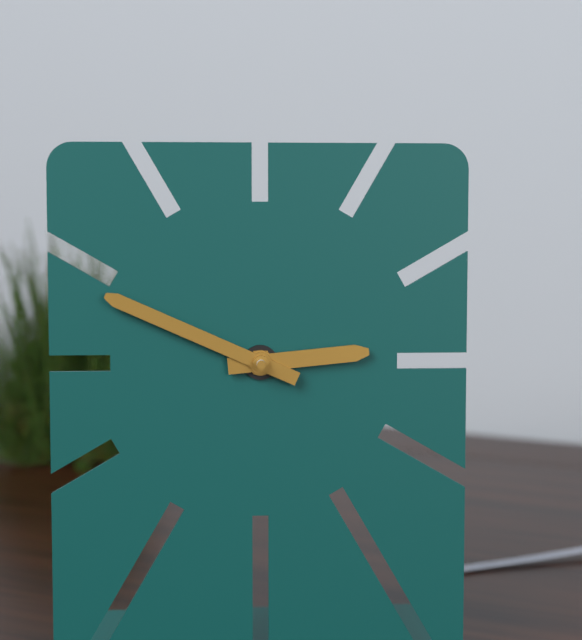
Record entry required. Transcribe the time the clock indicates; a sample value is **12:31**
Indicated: **2:49**
